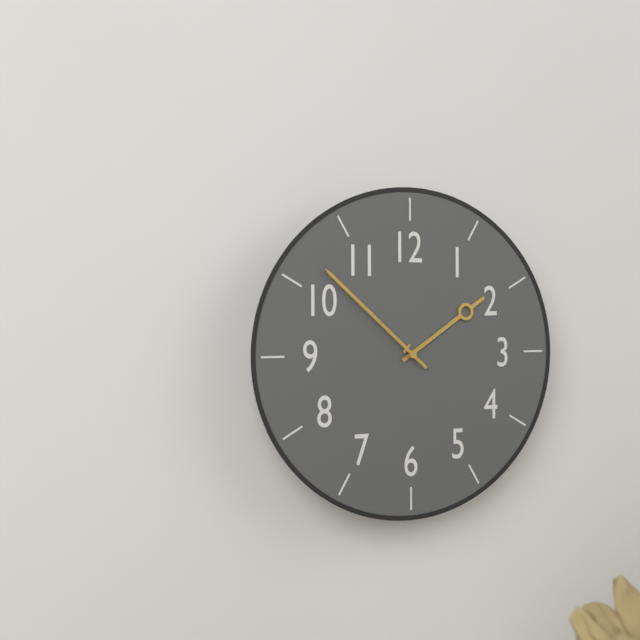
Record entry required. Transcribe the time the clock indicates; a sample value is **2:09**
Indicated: **1:52**
